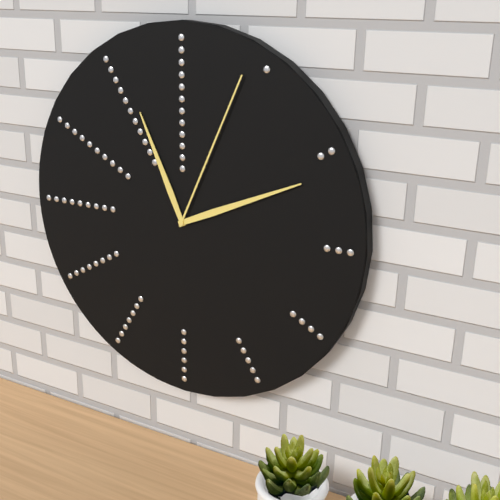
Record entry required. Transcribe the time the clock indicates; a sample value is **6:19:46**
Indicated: **11:11:04**
